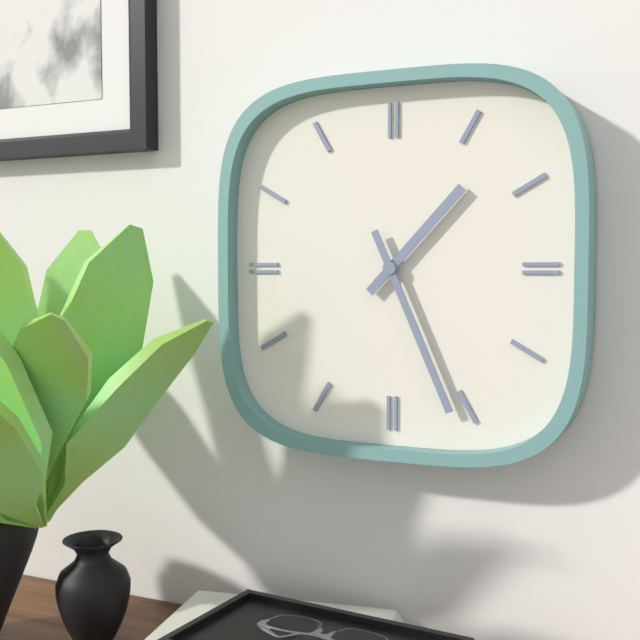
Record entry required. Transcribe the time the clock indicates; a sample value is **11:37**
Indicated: **1:26**
